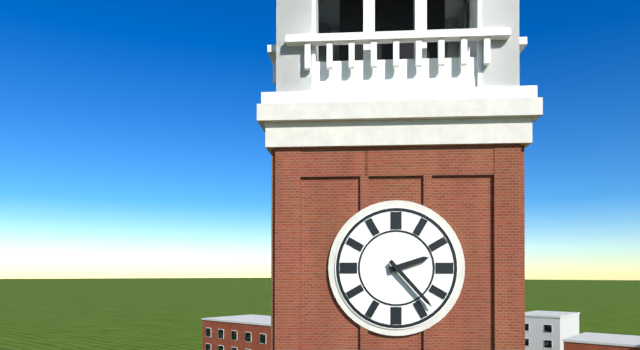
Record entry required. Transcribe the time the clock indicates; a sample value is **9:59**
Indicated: **2:23**
